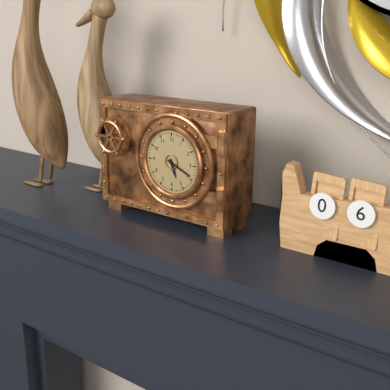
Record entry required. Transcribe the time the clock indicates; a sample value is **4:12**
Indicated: **5:19**
